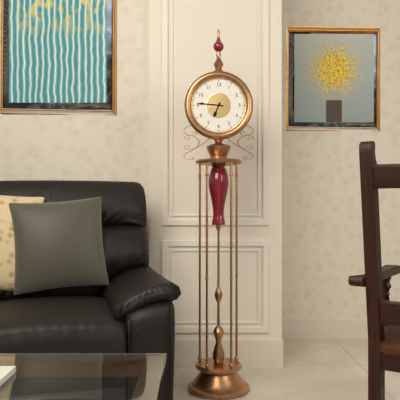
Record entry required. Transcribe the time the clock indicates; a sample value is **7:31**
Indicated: **6:46**
